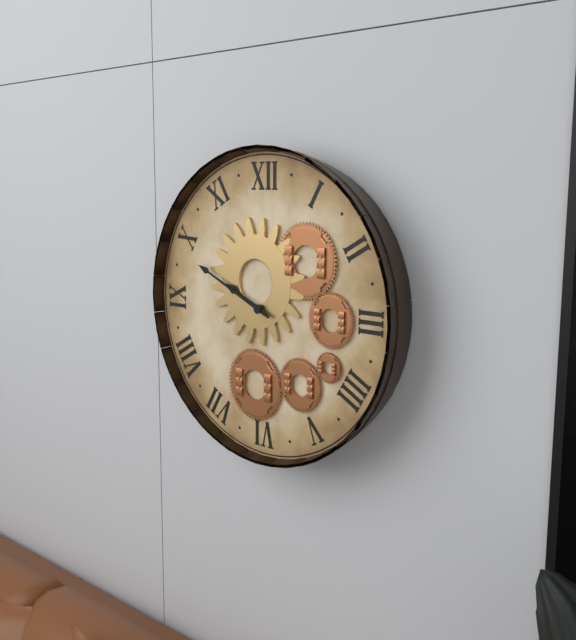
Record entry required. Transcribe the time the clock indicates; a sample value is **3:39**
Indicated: **9:49**
